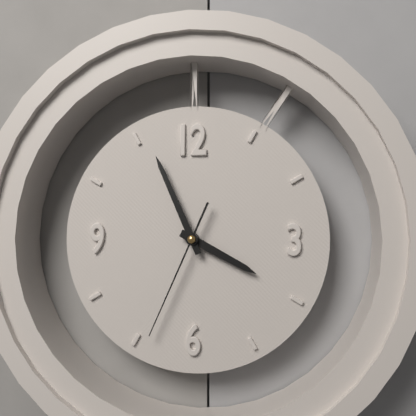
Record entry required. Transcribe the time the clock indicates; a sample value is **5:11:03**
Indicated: **3:56:34**
